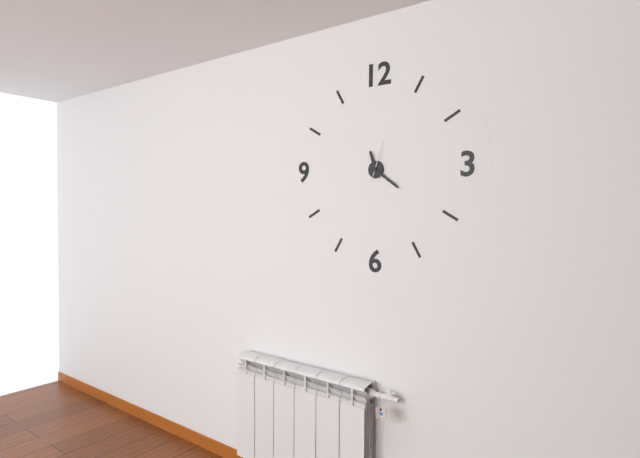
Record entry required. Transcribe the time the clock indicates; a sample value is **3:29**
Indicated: **11:21**
